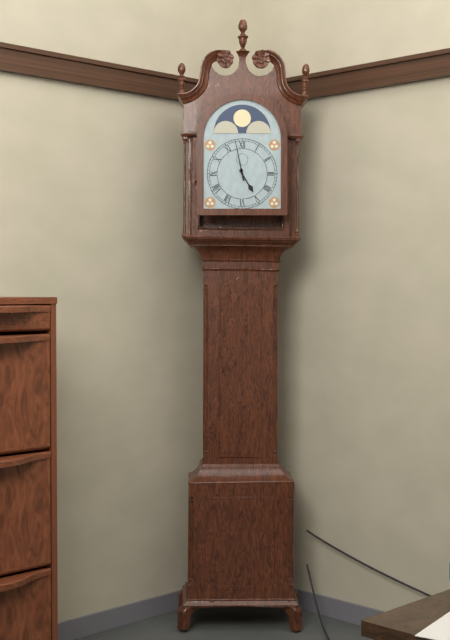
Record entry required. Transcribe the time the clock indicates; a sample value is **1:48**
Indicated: **4:58**
